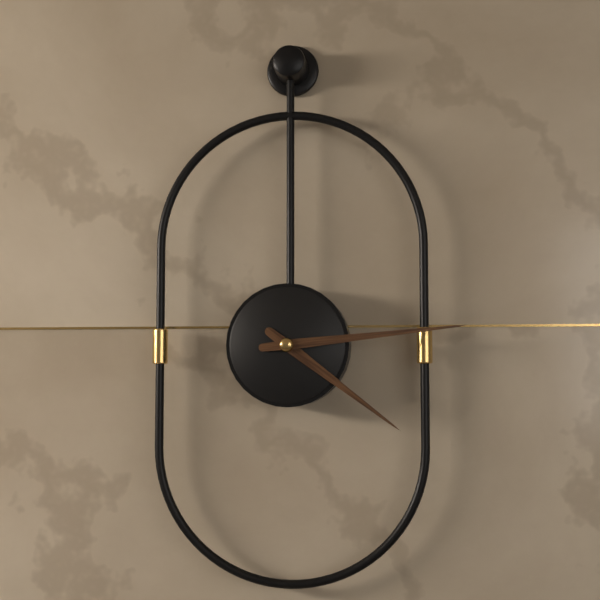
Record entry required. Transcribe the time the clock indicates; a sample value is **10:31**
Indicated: **4:14**
